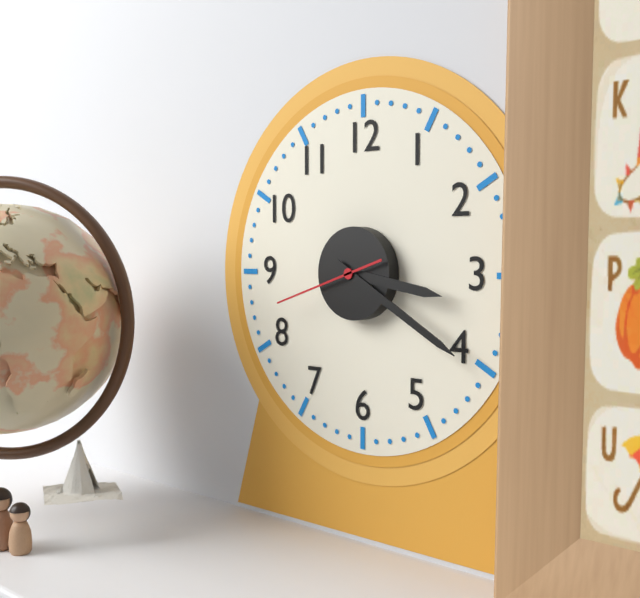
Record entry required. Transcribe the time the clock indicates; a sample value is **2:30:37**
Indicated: **3:20:42**
